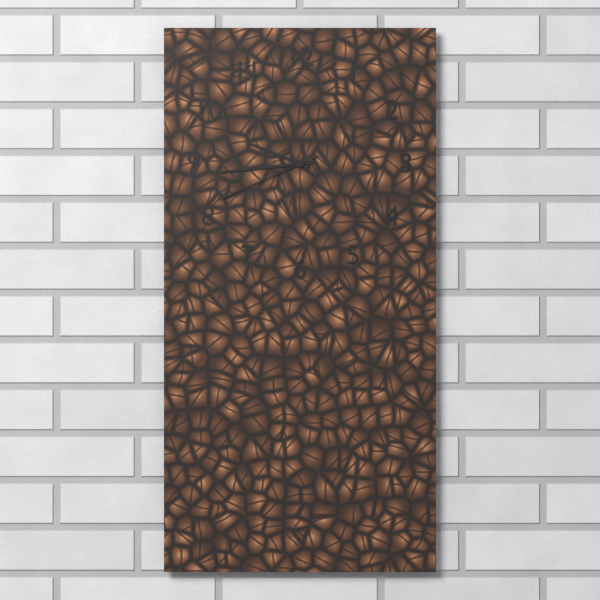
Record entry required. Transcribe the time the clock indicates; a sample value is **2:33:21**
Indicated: **9:44:41**
